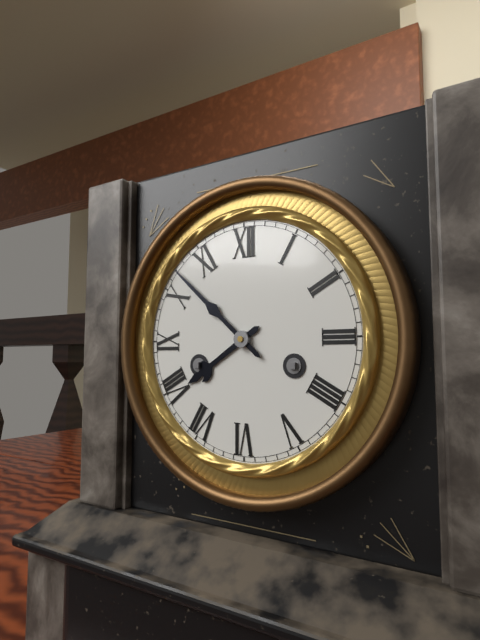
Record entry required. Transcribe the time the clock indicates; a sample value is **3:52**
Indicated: **7:52**
